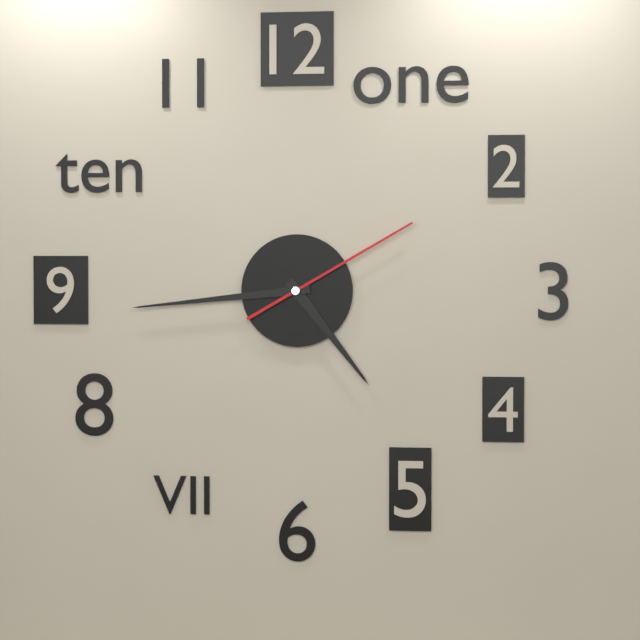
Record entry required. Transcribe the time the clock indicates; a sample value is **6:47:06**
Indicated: **4:44:10**
